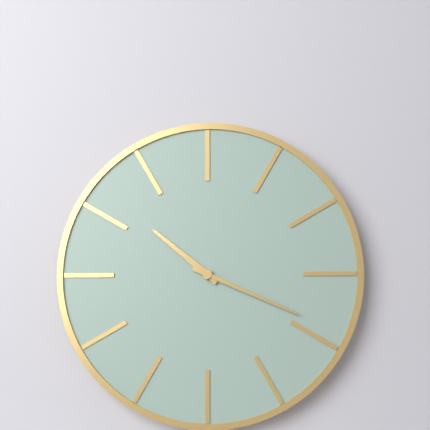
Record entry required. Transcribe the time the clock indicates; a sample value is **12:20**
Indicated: **10:19**
